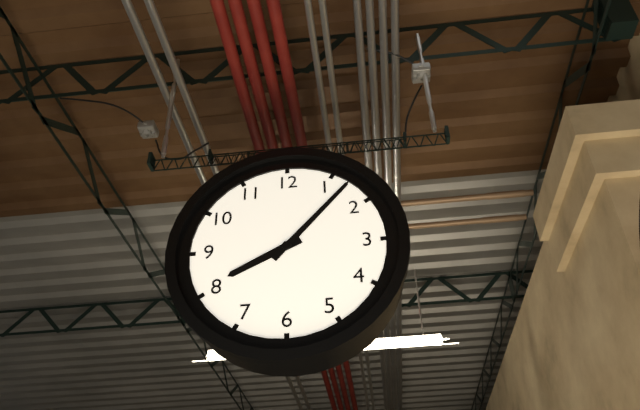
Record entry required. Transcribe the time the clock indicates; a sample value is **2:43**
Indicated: **8:07**
